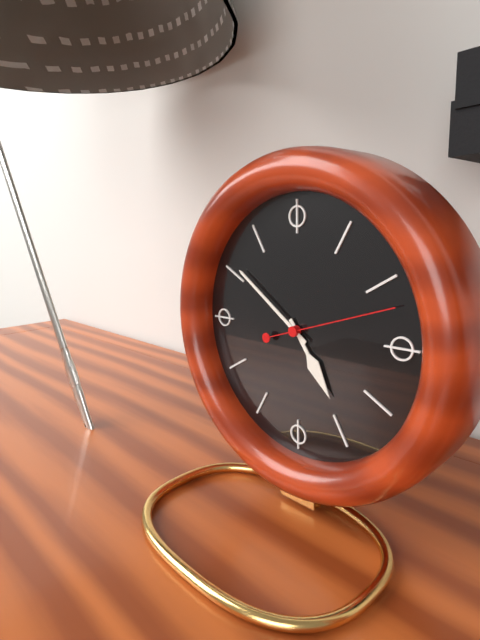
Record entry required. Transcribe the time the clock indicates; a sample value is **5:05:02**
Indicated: **4:51:12**
